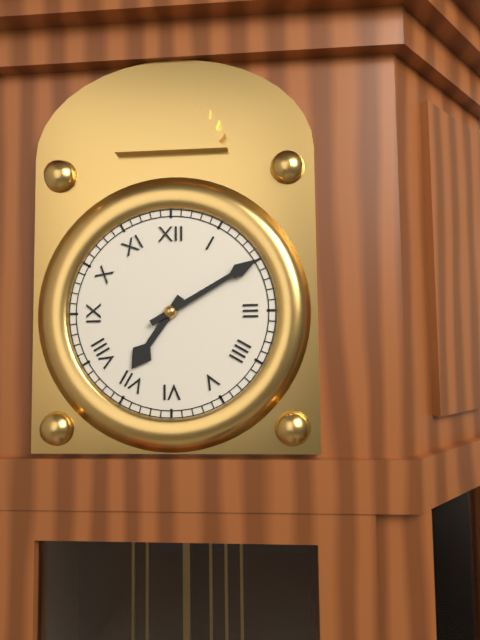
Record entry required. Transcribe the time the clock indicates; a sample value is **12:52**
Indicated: **7:10**
